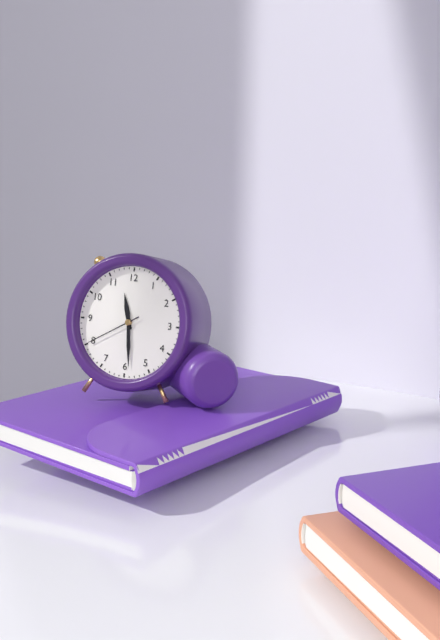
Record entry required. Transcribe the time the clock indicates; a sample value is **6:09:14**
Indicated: **11:29:40**
